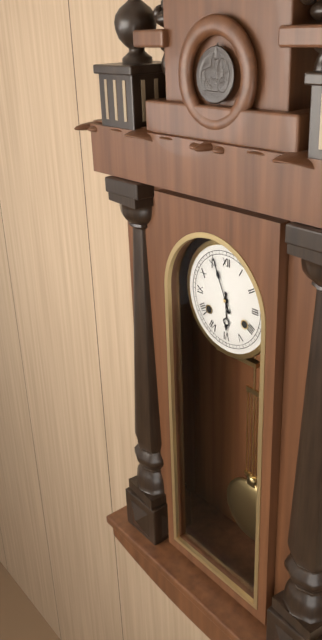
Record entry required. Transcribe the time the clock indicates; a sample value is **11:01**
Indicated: **5:56**
